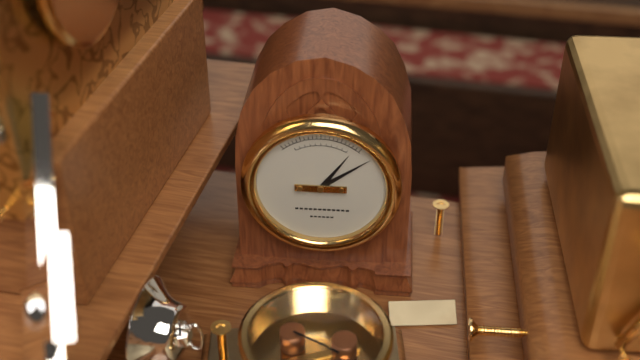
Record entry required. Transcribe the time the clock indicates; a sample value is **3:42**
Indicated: **1:09**
